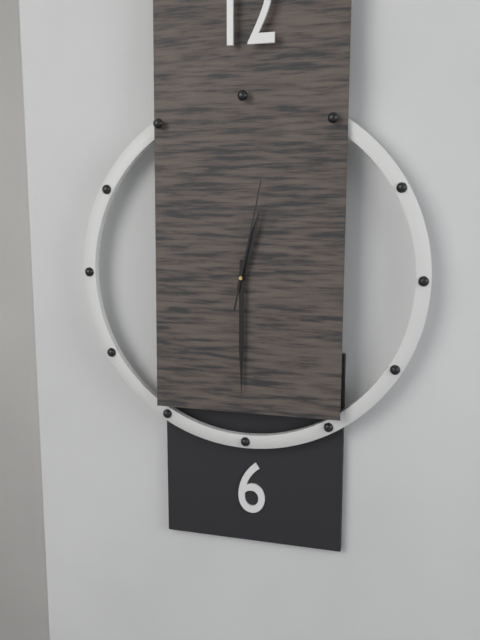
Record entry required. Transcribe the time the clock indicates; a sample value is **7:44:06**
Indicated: **12:30:02**
